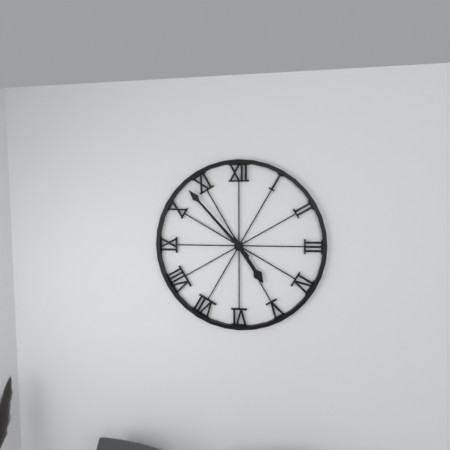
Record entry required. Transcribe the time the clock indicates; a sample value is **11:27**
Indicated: **4:53**
